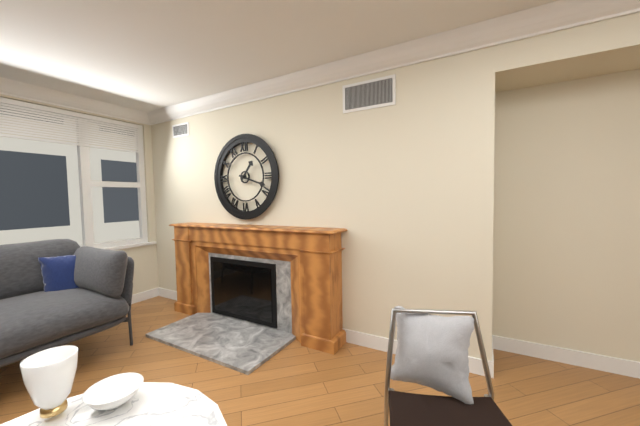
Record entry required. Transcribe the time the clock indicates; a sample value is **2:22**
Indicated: **1:18**
